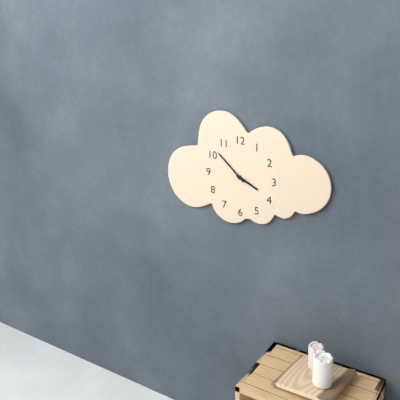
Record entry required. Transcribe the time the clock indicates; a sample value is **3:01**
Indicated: **3:52**
